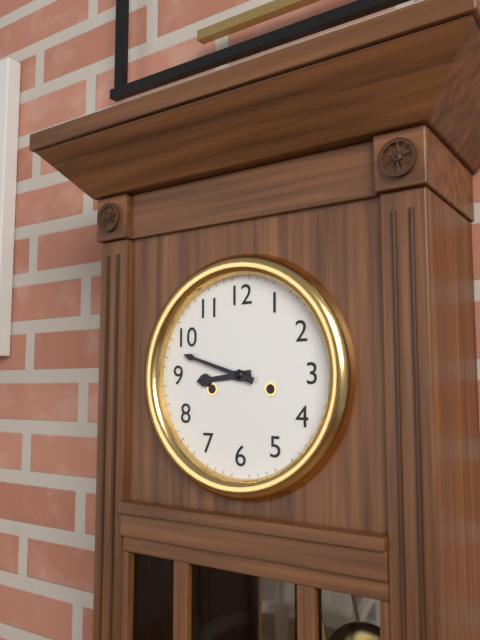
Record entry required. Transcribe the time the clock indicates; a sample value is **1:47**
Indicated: **8:48**
